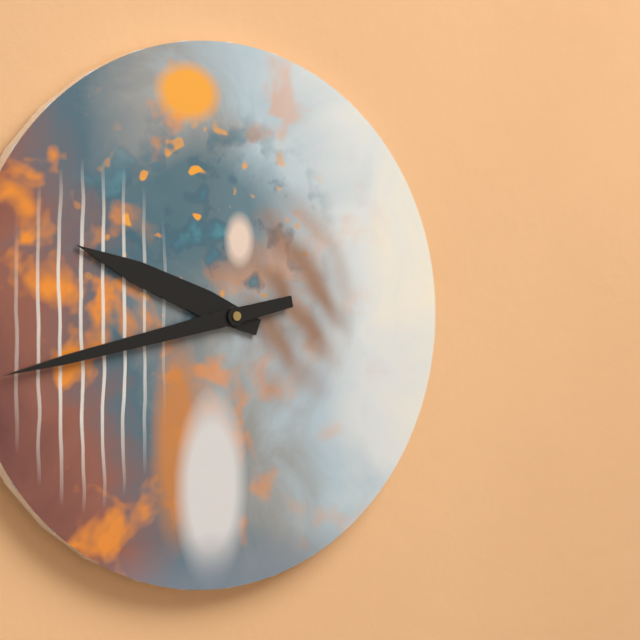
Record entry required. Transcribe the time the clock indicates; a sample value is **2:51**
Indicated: **9:43**
